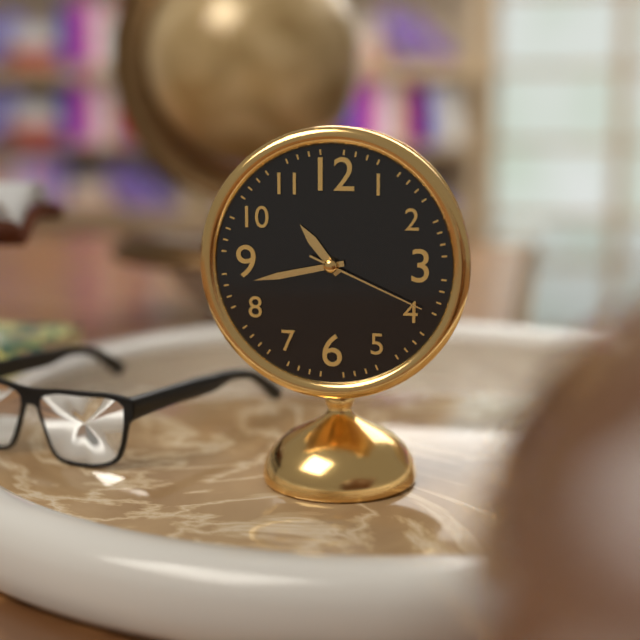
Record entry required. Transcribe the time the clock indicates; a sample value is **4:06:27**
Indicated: **10:43:19**
